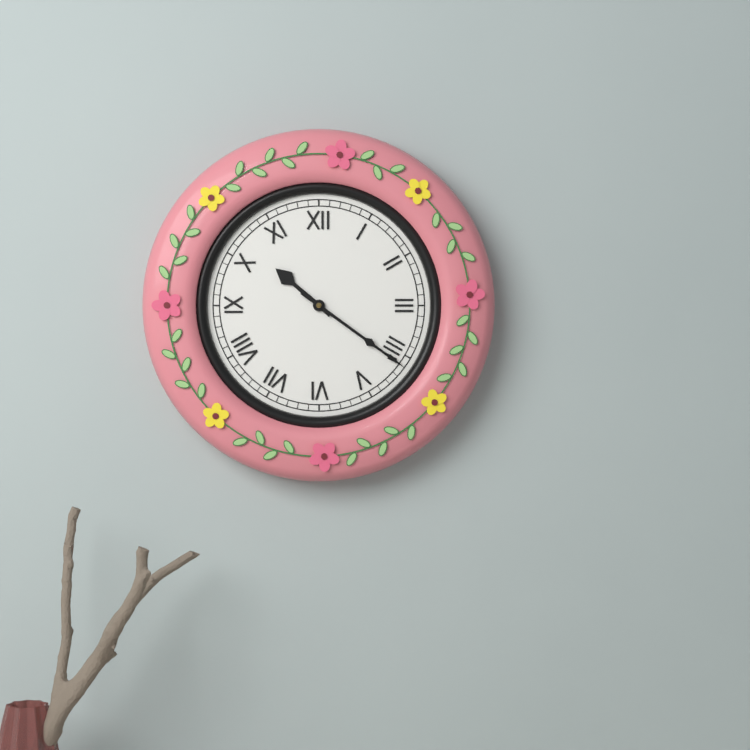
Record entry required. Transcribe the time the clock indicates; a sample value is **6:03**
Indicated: **10:21**
